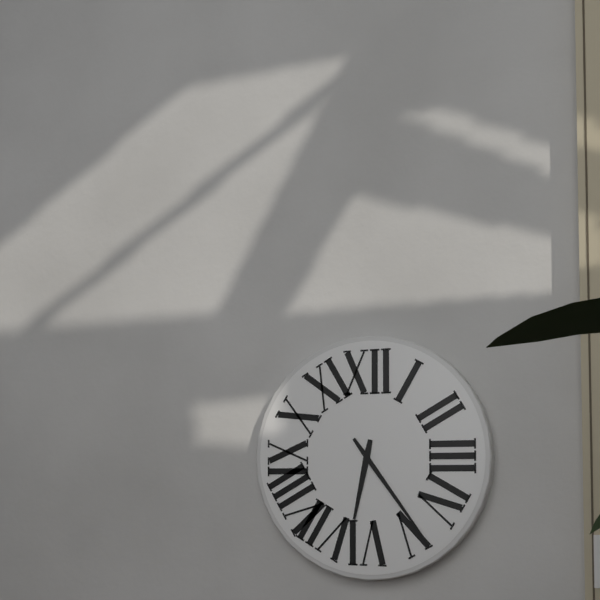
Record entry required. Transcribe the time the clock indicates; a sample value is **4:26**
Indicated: **6:24**
